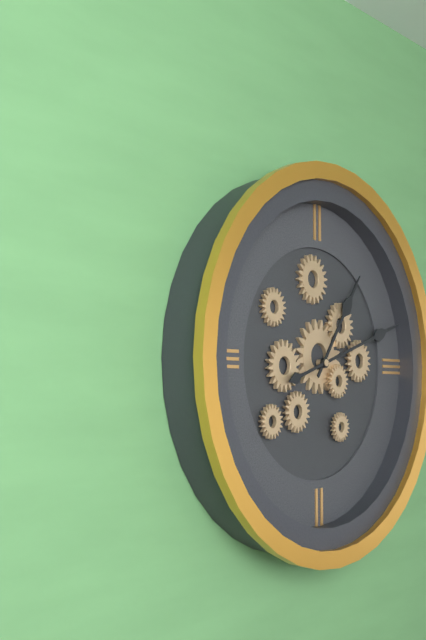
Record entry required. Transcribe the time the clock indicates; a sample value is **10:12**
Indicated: **1:12**
